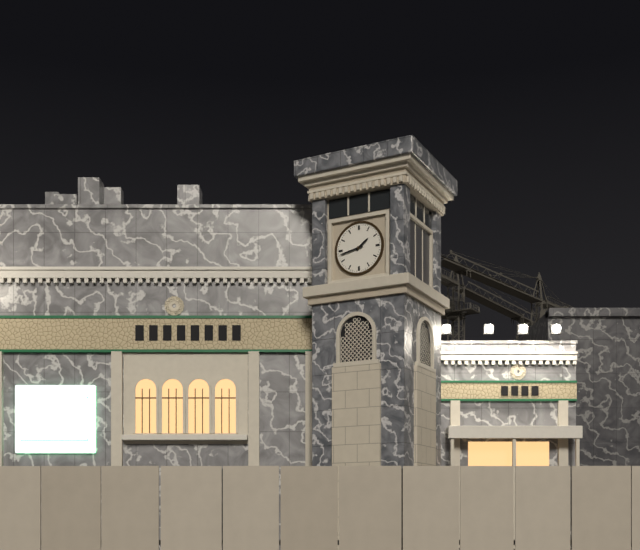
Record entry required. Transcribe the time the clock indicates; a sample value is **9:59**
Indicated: **1:43**
